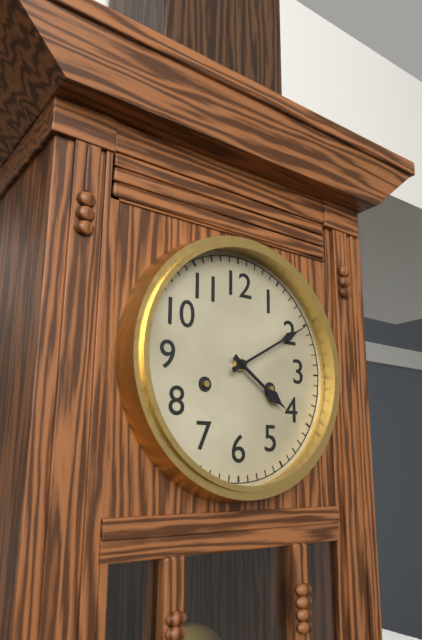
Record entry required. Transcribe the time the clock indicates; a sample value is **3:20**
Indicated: **4:10**
